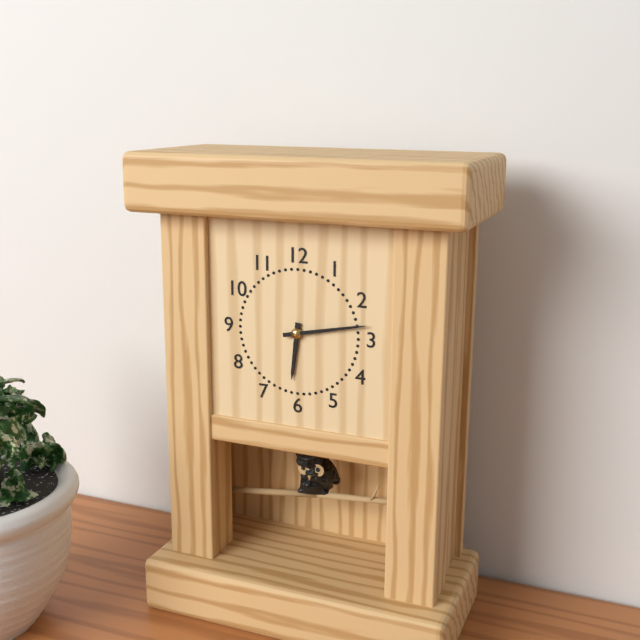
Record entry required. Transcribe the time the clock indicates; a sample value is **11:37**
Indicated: **6:13**
